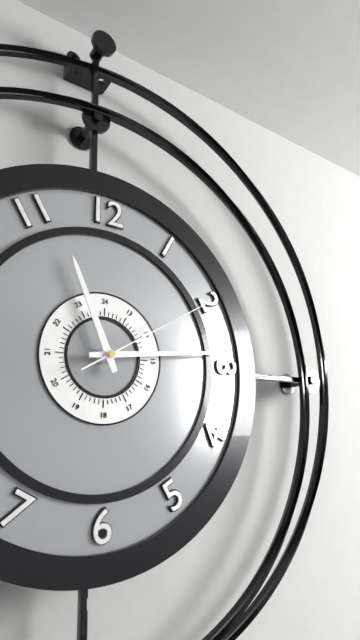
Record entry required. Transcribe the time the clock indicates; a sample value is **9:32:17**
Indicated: **11:14:10**
